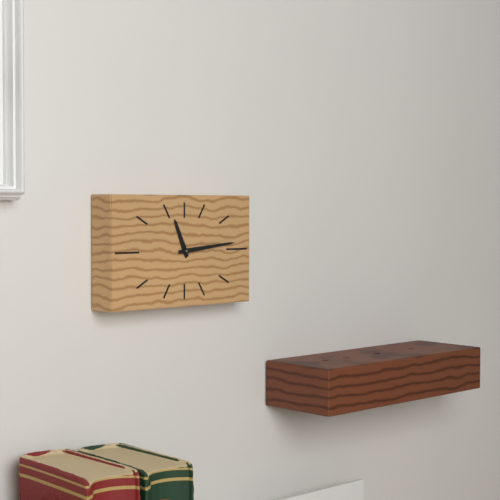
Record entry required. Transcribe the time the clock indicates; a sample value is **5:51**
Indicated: **11:14**
